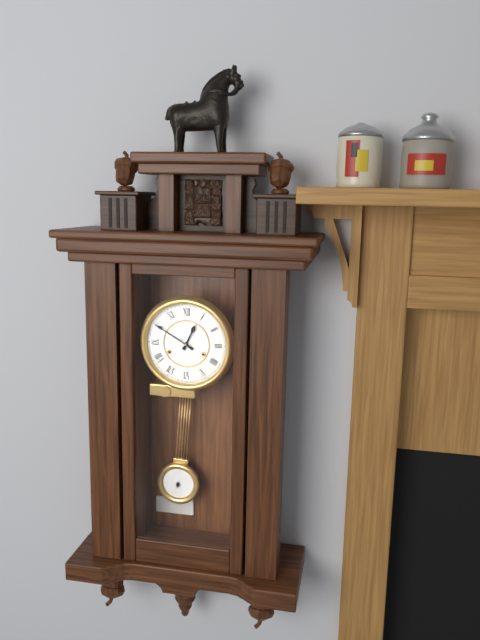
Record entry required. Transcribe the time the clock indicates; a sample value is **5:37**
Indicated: **12:50**
